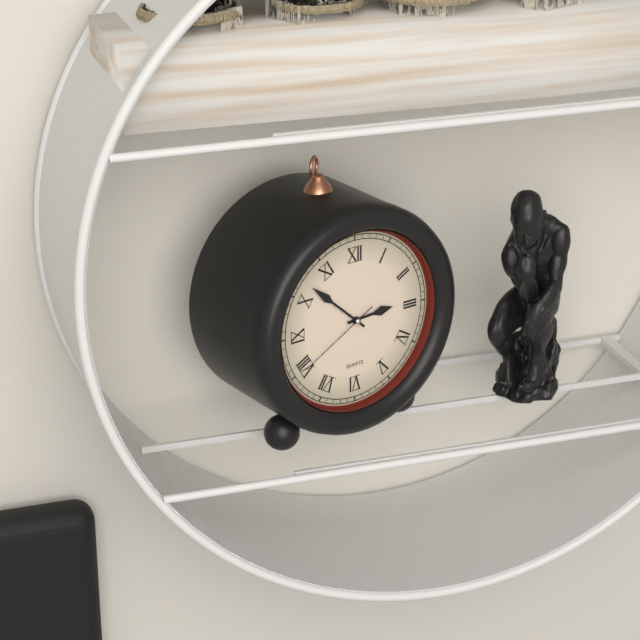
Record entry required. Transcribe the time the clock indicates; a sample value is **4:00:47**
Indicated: **2:52:40**
